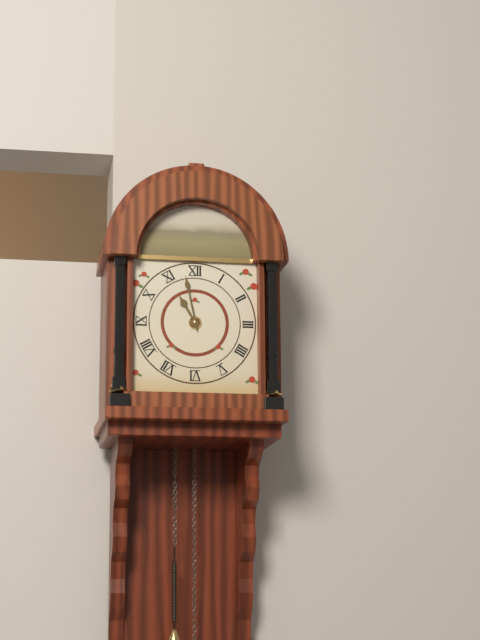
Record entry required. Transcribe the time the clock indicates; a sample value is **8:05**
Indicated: **10:58**
